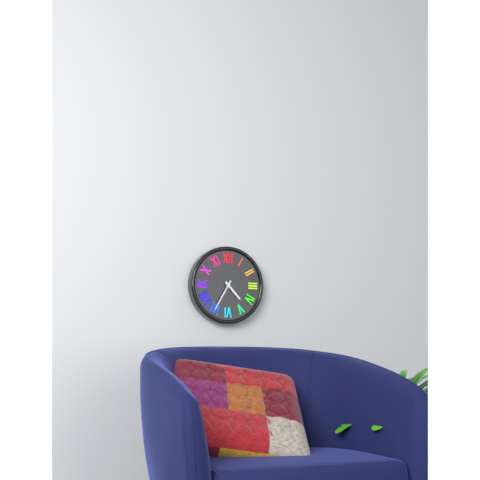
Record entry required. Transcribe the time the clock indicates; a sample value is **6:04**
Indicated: **4:35**
